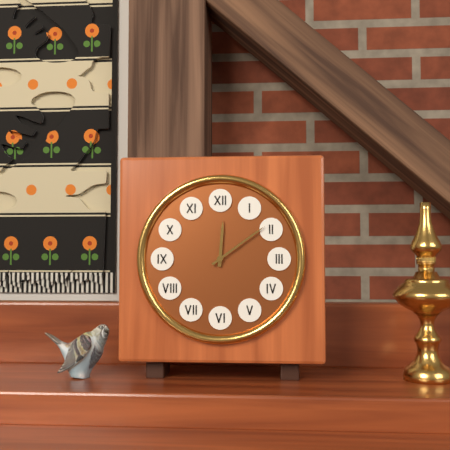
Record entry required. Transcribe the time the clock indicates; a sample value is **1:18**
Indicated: **12:09**
